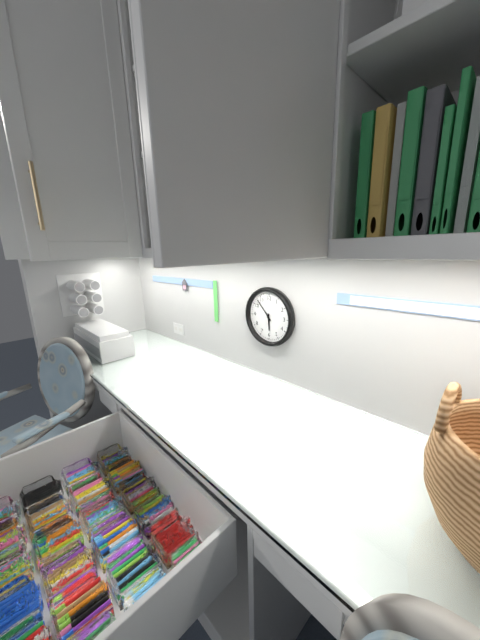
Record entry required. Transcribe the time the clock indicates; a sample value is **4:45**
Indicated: **5:53**
